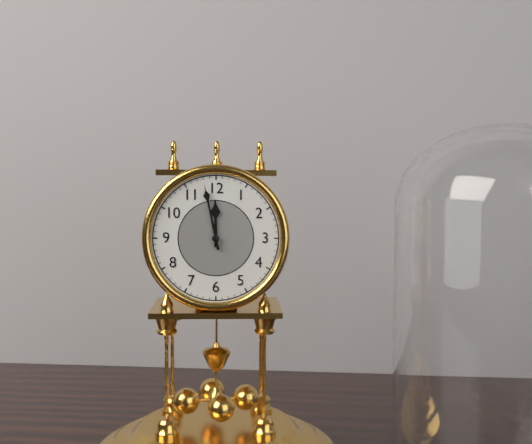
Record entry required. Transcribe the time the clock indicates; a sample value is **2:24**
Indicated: **11:58**
